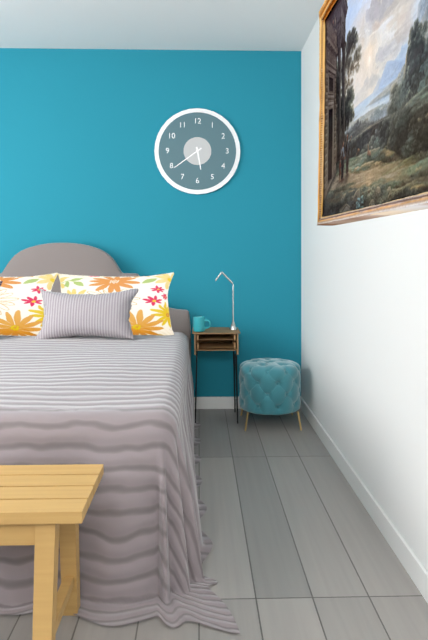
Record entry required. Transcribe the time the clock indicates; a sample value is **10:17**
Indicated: **5:39**
